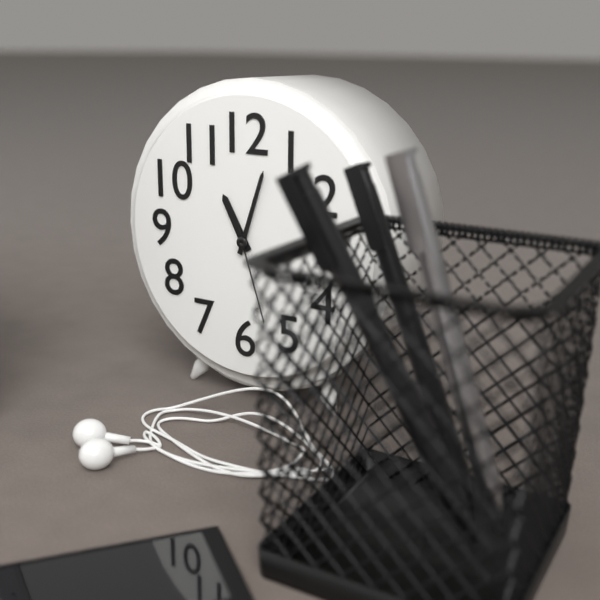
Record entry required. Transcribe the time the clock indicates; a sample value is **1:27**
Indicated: **11:03**
